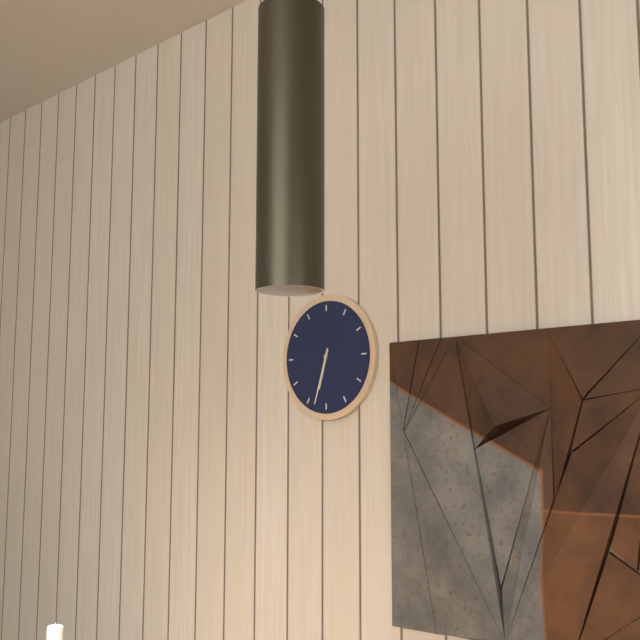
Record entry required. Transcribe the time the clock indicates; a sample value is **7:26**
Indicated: **6:33**
